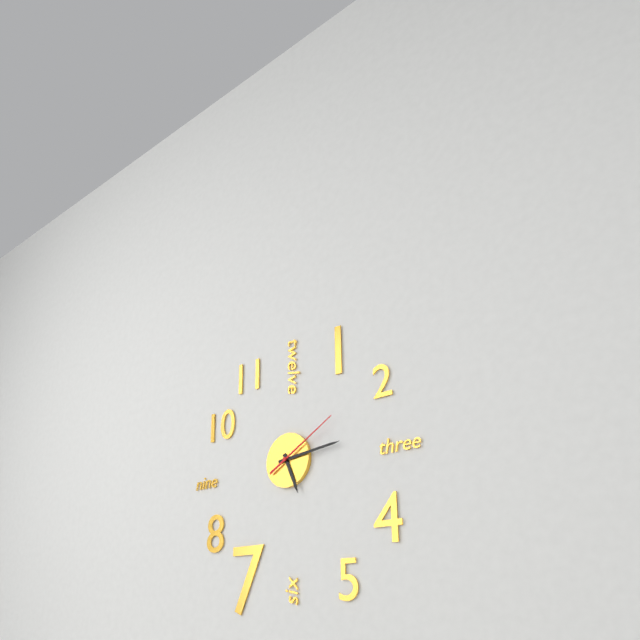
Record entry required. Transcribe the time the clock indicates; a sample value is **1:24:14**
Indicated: **5:14:10**
